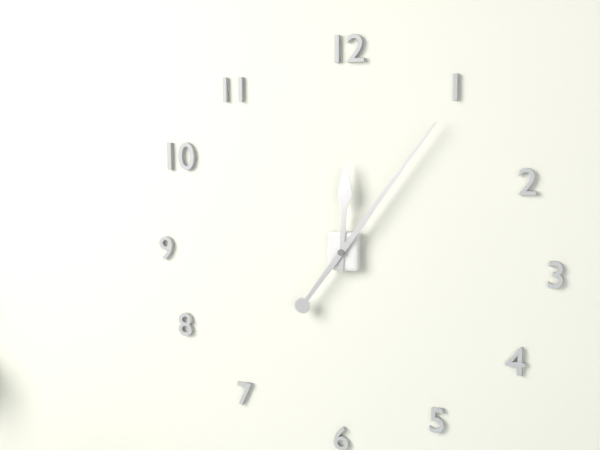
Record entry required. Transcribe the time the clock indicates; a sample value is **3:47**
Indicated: **12:06**
